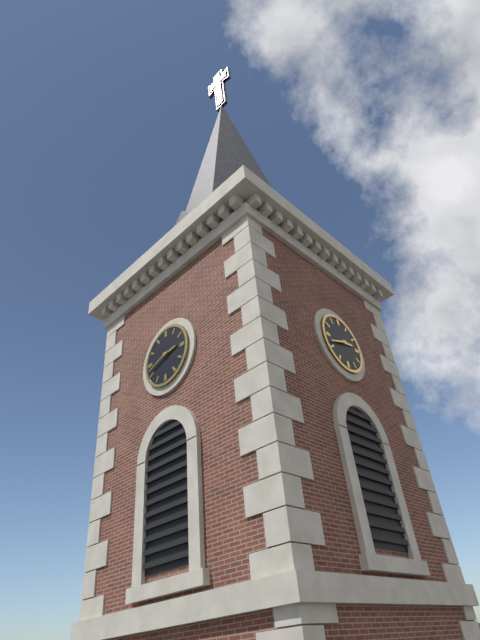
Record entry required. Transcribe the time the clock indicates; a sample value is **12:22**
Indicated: **2:42**
